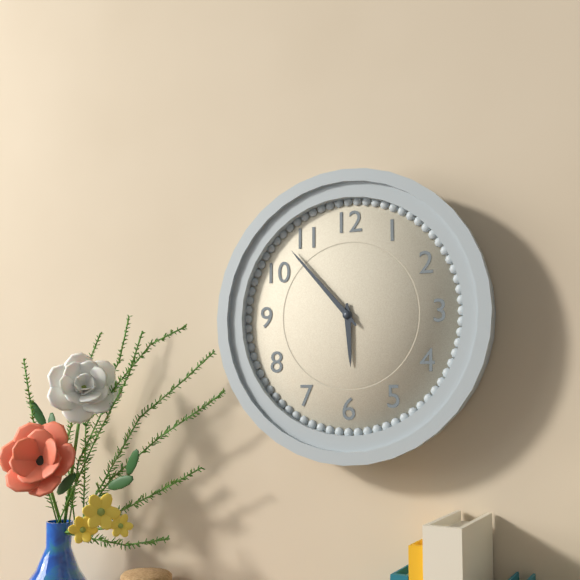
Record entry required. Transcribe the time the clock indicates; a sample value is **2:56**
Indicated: **5:53**
